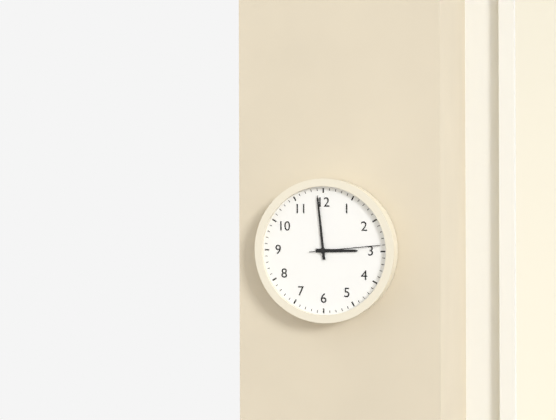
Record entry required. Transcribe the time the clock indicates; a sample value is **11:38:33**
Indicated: **2:59:14**
